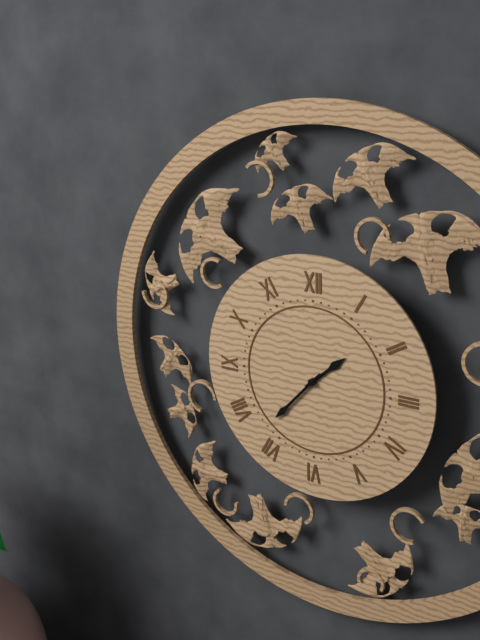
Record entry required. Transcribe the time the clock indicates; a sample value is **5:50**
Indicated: **1:37**
